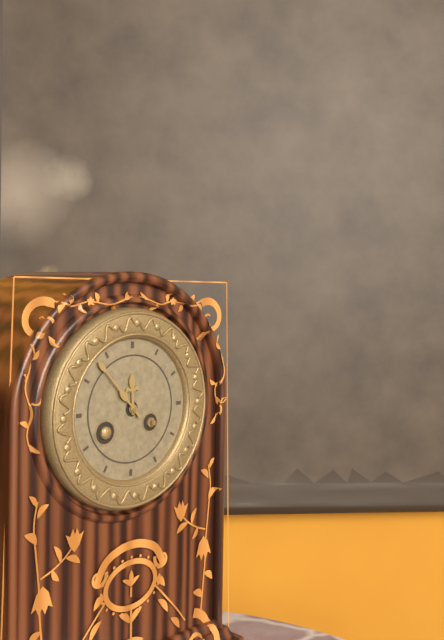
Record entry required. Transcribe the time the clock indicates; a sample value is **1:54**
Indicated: **11:53**
